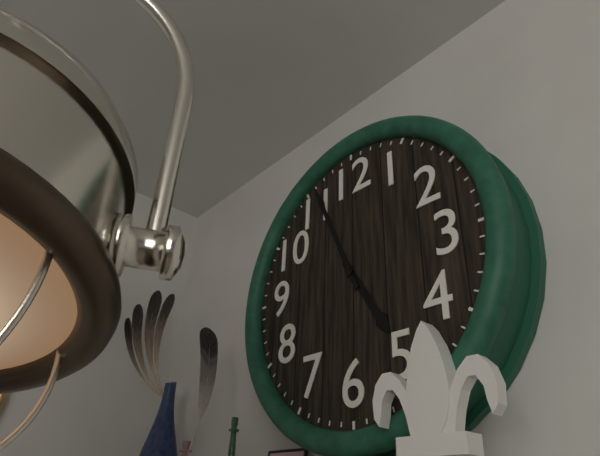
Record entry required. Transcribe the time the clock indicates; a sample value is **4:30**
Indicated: **4:56**
